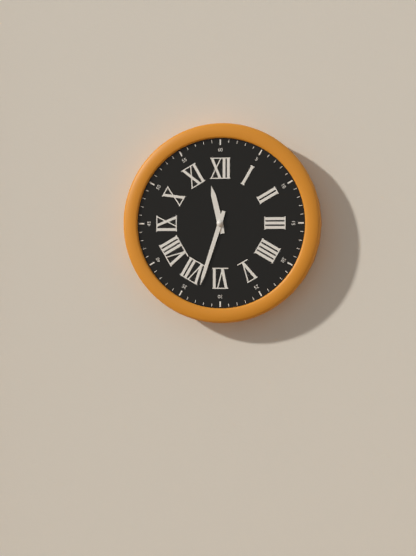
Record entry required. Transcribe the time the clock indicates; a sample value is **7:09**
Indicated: **11:33**
